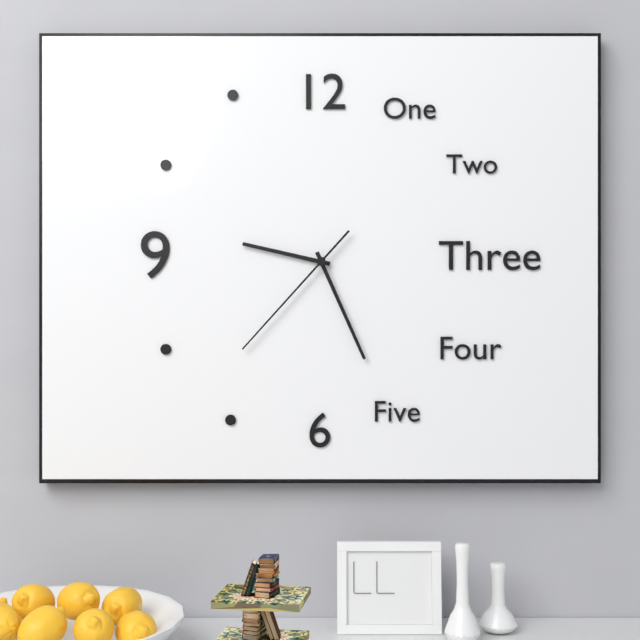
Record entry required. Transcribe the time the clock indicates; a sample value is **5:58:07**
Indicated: **9:26:37**
